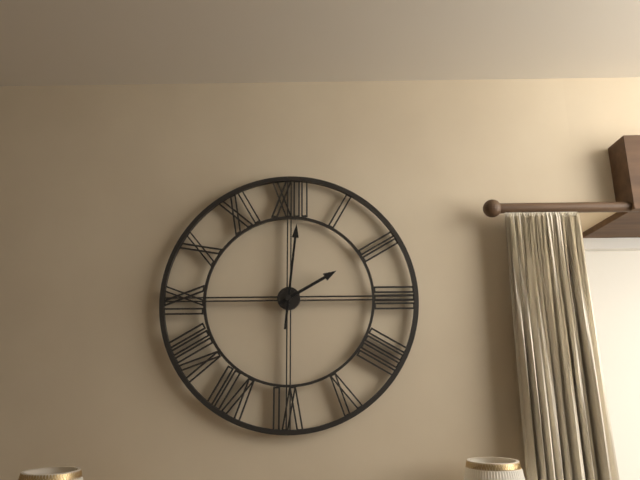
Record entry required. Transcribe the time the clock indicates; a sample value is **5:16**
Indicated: **2:01**
